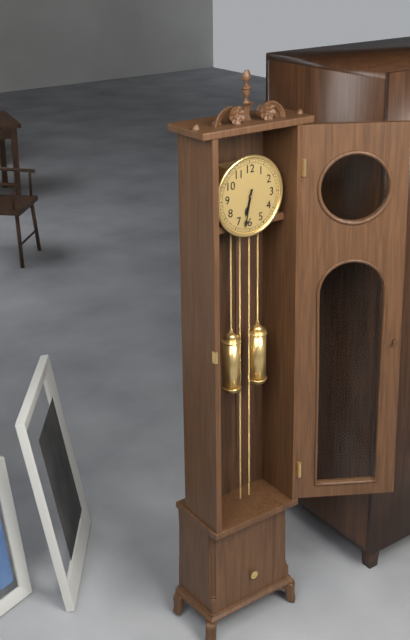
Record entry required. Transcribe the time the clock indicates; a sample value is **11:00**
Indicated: **6:32**
